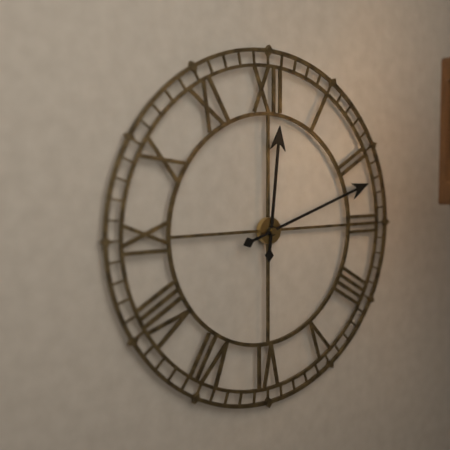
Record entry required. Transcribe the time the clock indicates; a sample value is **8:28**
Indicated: **12:12**
